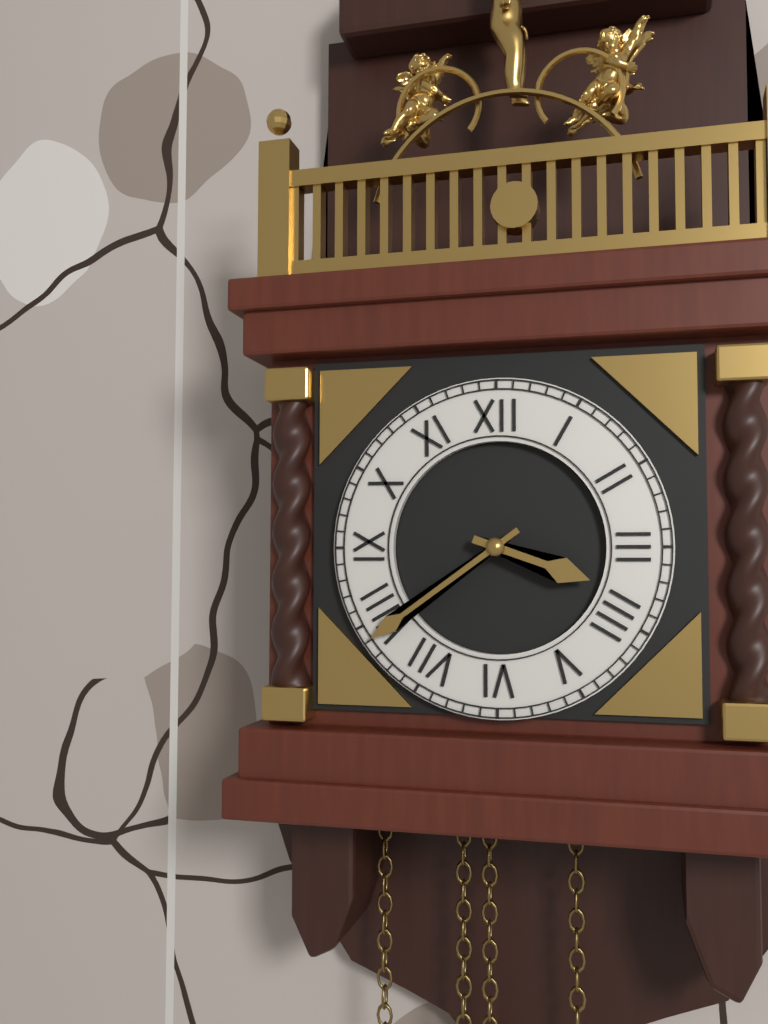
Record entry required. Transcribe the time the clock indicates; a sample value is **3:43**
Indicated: **3:39**
